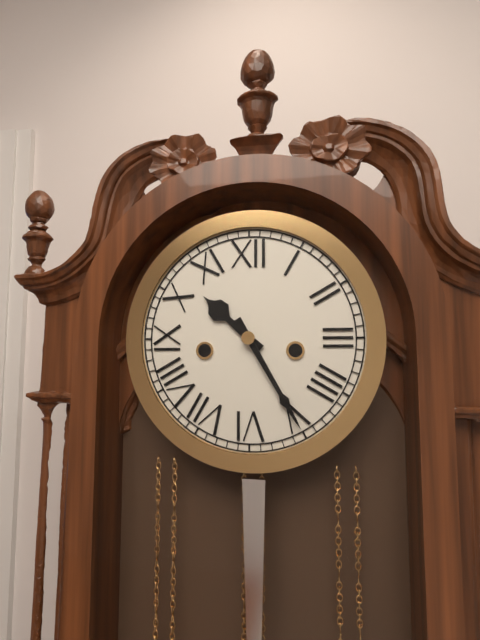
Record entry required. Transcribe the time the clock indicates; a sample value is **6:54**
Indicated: **10:25**
